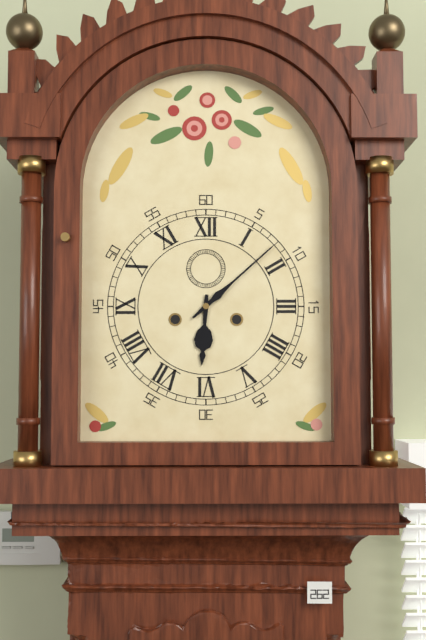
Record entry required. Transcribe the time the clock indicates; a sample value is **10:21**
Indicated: **6:08**
